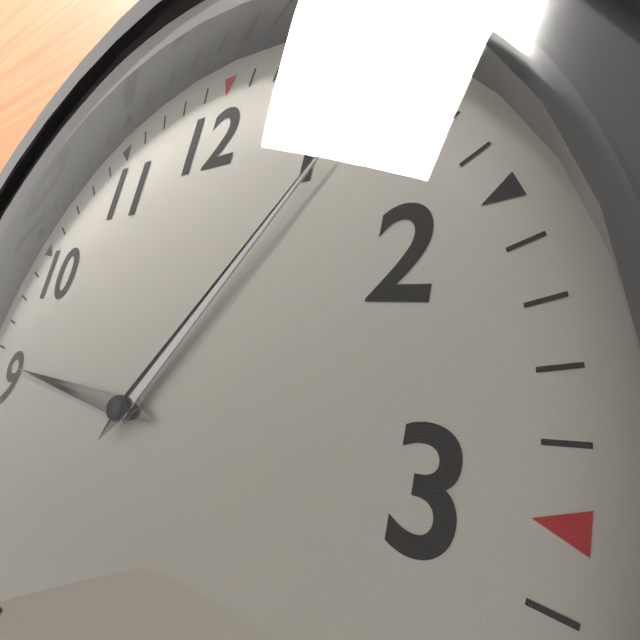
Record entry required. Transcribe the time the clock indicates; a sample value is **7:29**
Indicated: **9:06**
